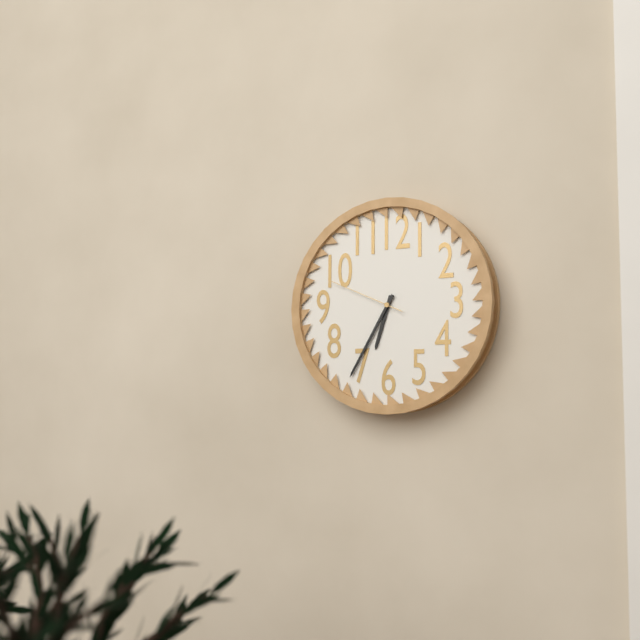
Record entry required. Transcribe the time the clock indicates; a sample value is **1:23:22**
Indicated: **6:35:49**
